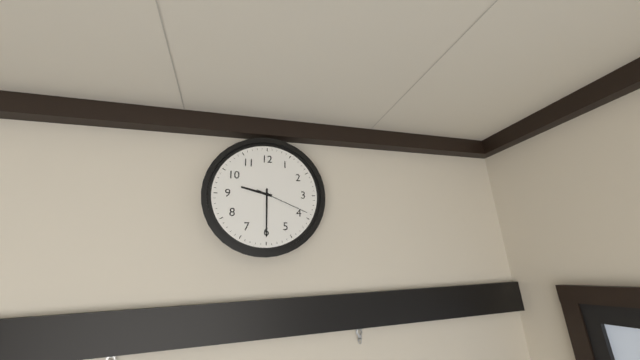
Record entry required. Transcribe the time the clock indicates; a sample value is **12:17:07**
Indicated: **9:30:19**
